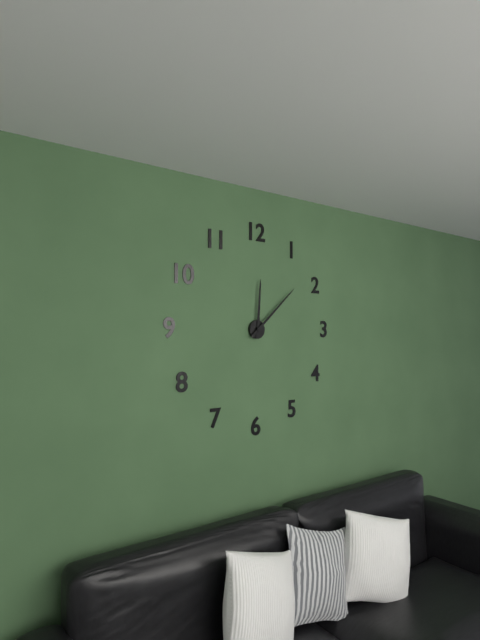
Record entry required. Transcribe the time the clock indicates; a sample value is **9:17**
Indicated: **12:08**
